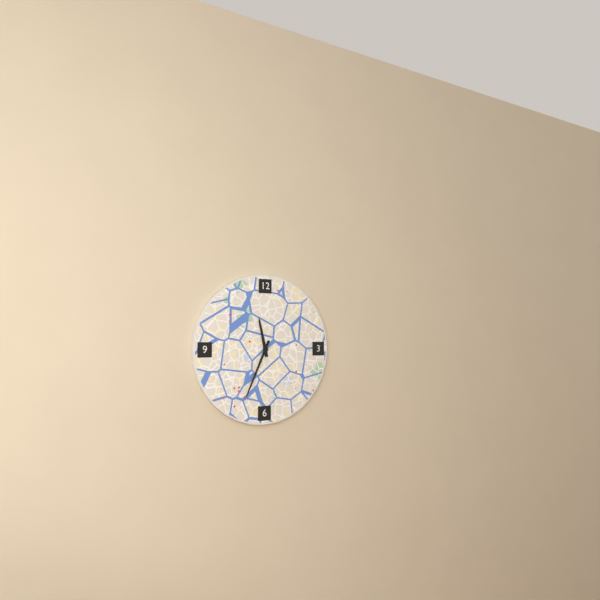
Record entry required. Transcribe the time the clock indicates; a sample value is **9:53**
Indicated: **11:34**
